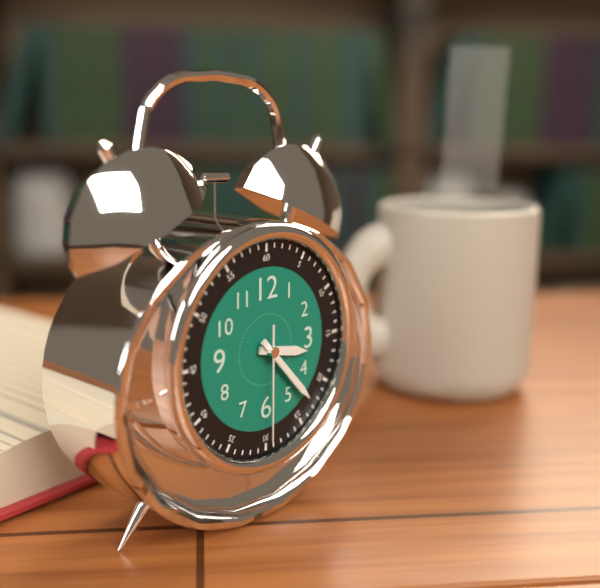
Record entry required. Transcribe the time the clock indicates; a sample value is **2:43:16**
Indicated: **3:23:30**
